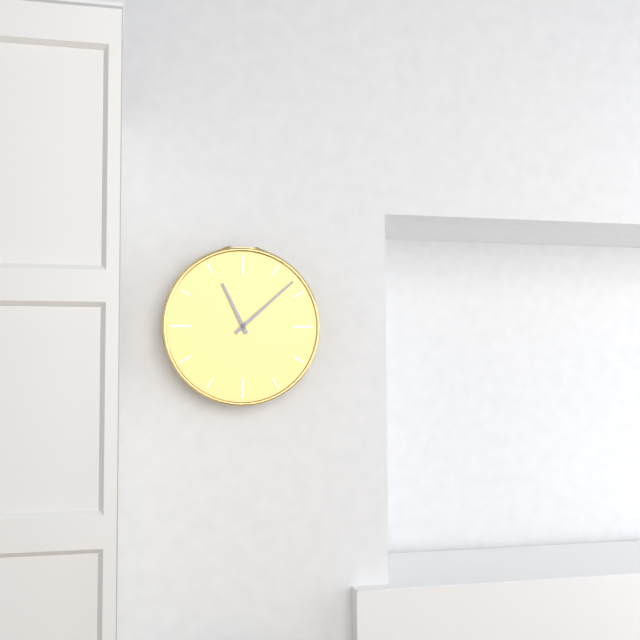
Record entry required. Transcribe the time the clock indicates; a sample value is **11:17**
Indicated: **11:08**
